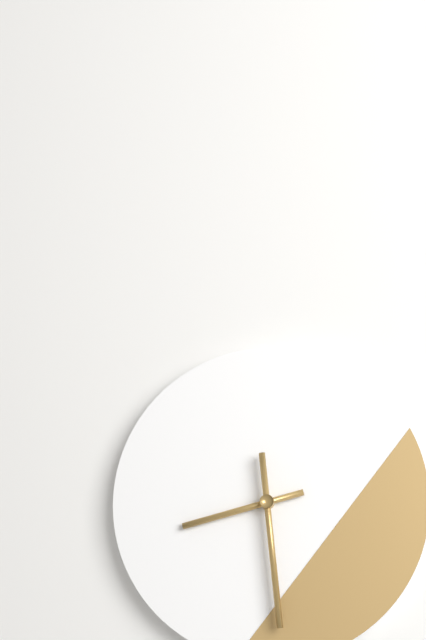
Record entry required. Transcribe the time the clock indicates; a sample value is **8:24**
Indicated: **8:29**
